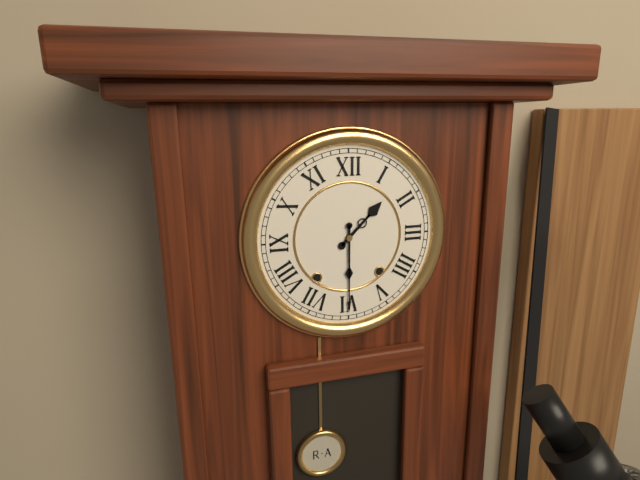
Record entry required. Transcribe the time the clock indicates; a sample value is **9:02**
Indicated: **1:30**
